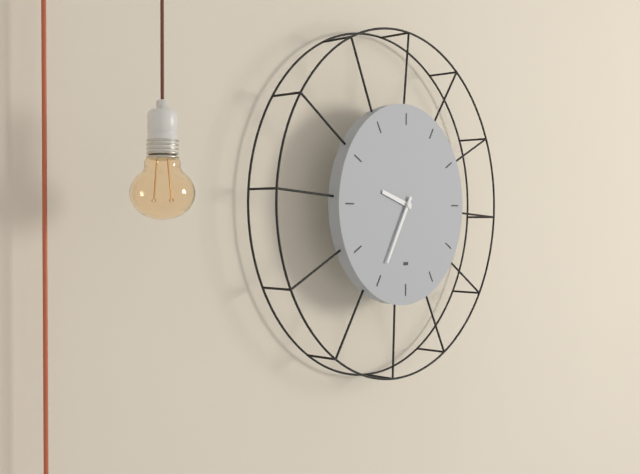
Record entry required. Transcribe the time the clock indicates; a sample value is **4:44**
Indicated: **9:35**
